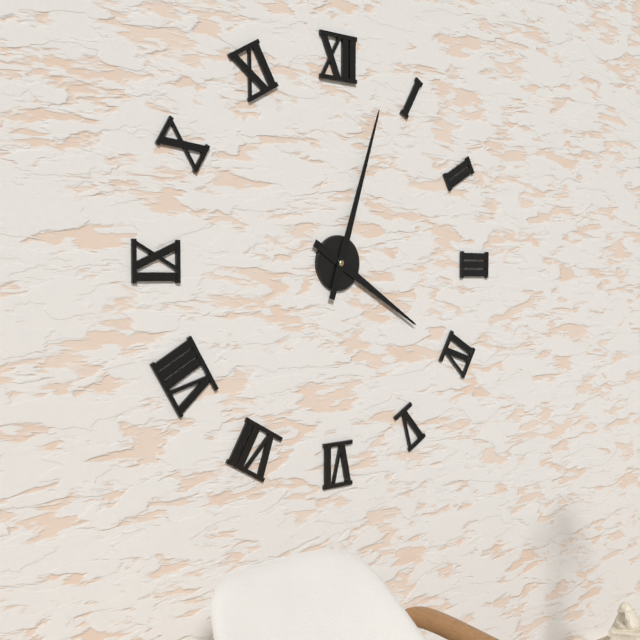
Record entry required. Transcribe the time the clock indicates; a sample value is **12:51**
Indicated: **4:03**
